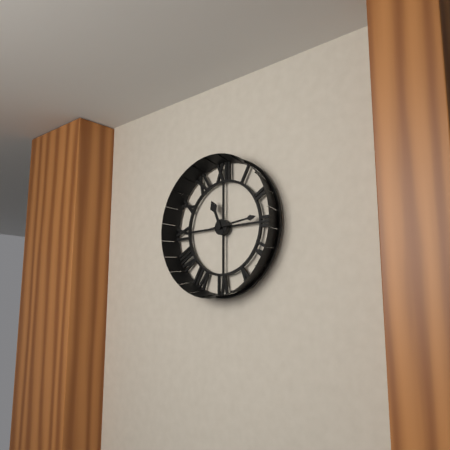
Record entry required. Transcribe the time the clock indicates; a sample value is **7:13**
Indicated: **11:14**
